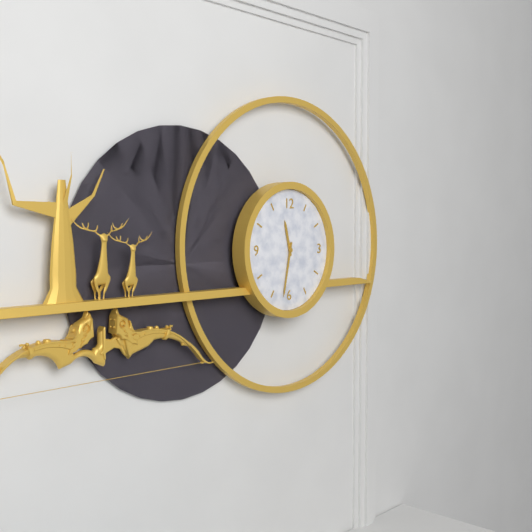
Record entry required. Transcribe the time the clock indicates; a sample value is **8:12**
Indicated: **11:32**
